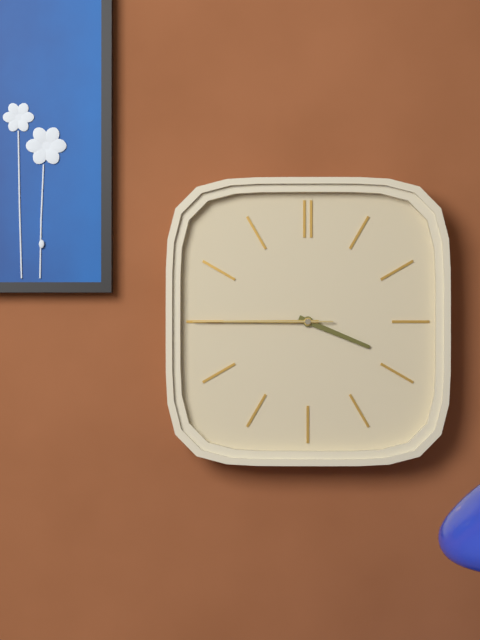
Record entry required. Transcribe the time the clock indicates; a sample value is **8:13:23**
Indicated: **3:45:45**
